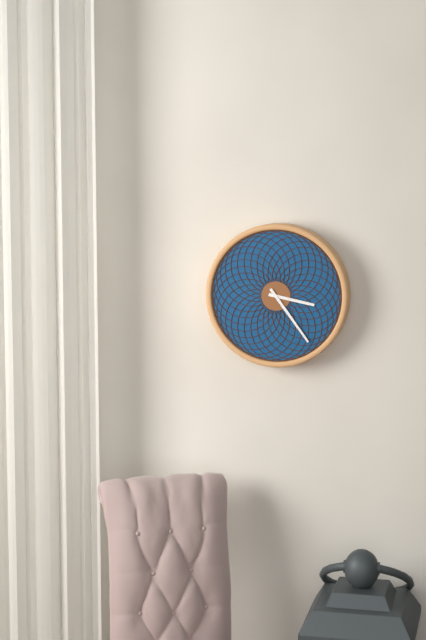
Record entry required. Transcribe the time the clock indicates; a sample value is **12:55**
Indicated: **3:24**
